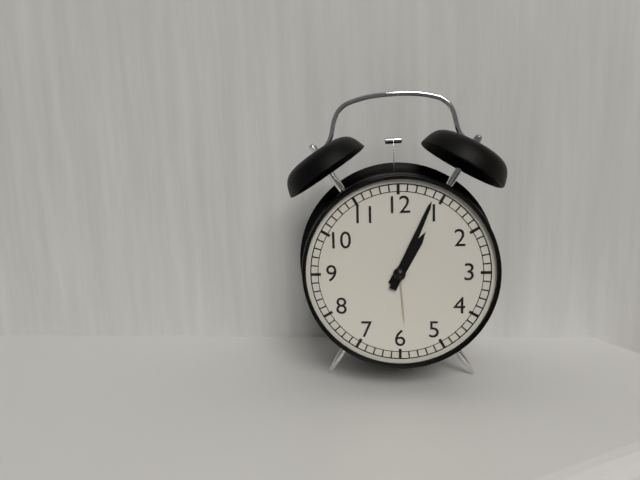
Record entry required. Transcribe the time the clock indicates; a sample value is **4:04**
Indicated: **1:04**
